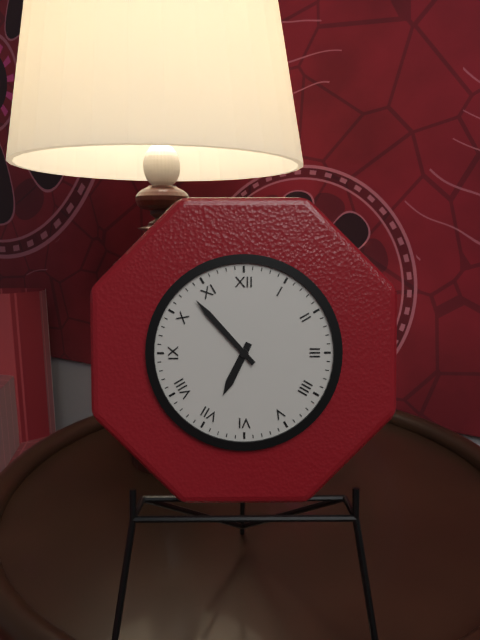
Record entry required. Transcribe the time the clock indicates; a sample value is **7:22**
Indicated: **6:53**
